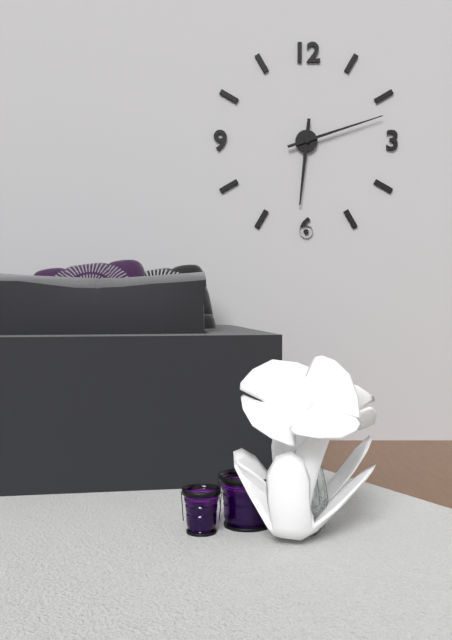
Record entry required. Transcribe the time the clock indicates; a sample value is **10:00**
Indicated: **6:12**
